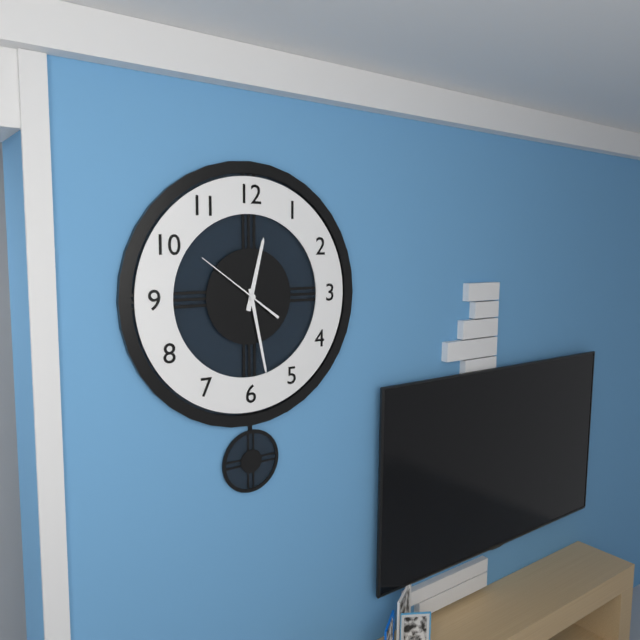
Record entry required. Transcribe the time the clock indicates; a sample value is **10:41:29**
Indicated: **12:28:51**
